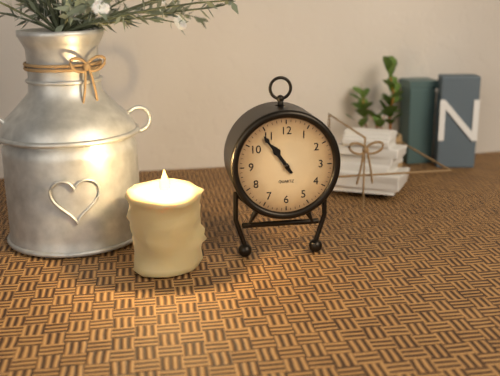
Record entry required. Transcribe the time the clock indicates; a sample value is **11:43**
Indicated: **10:54**
